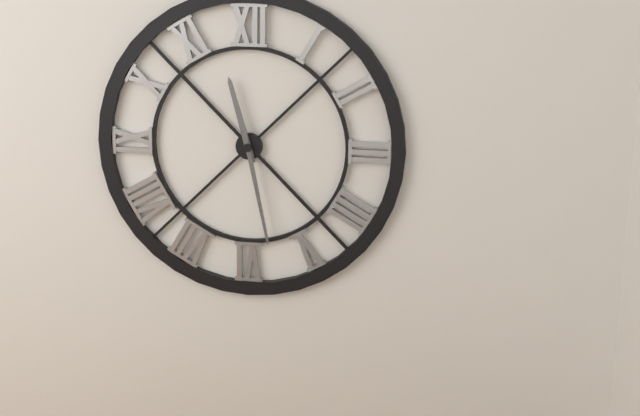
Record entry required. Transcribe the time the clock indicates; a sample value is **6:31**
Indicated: **11:28**
